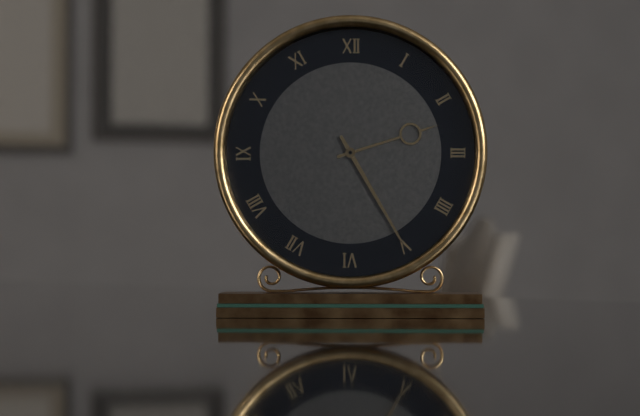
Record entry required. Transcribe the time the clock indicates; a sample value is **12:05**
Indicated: **2:25**
